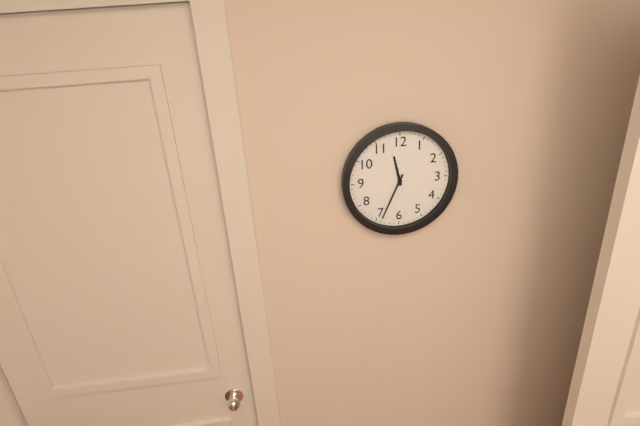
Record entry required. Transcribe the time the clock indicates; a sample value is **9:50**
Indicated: **11:34**
